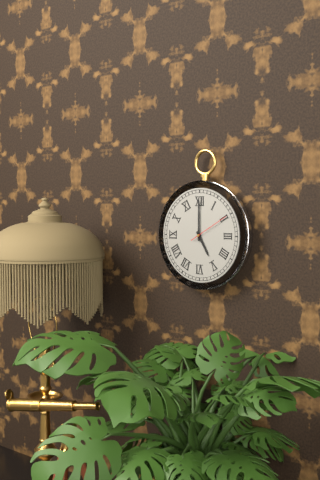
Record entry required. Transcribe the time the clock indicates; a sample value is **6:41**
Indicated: **5:00**
